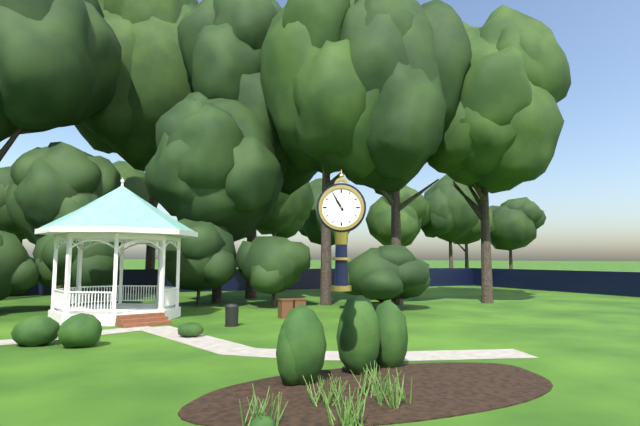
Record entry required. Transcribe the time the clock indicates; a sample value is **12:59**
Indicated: **10:55**
